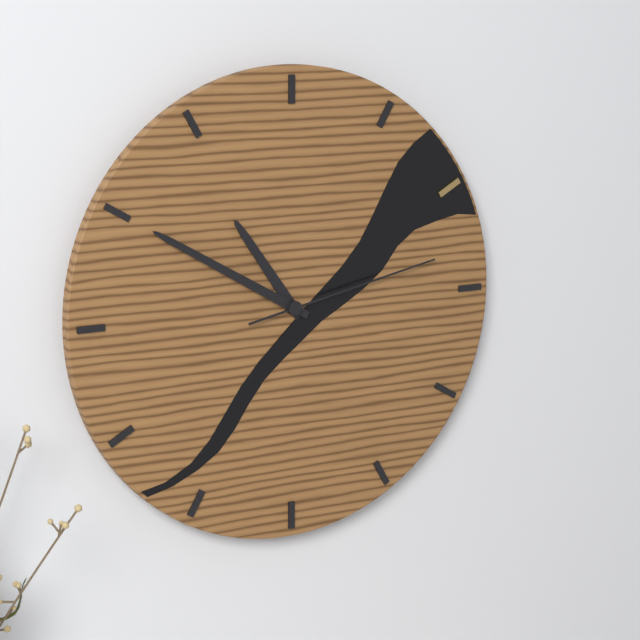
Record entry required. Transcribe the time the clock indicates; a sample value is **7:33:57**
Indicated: **10:50:13**
